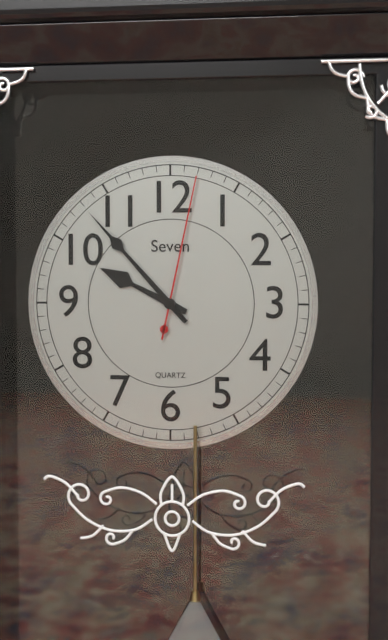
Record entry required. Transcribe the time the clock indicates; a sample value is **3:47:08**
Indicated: **9:53:02**
